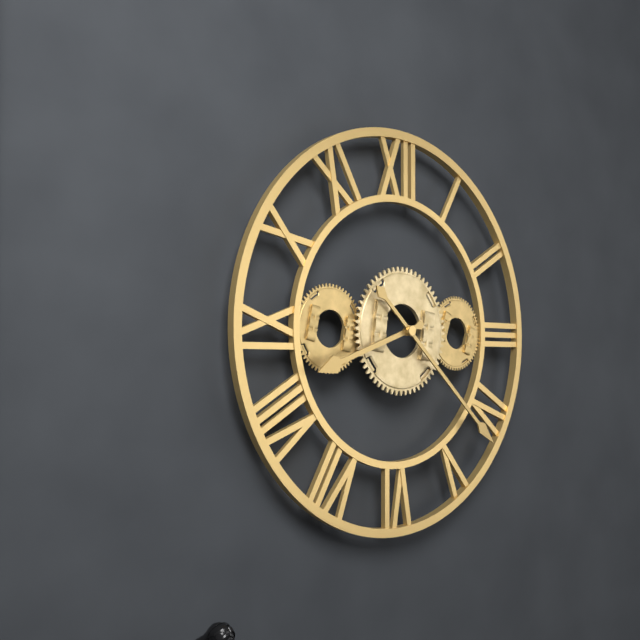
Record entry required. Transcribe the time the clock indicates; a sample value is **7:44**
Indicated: **8:22**
